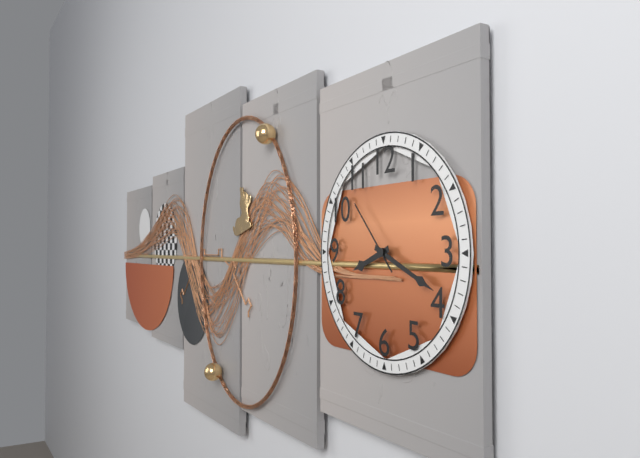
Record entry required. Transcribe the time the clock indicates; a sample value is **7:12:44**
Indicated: **8:19:53**
